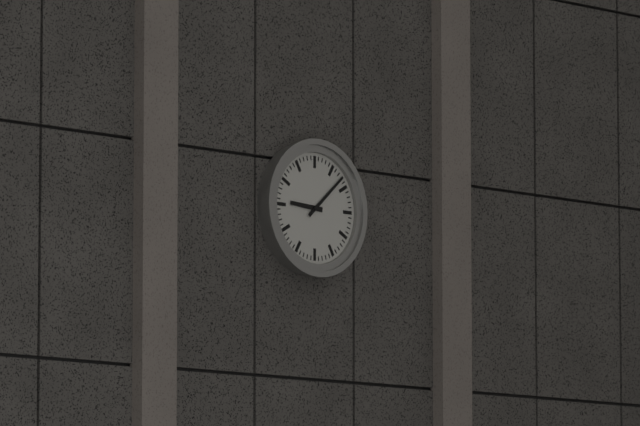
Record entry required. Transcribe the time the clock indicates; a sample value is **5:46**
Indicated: **9:08**
